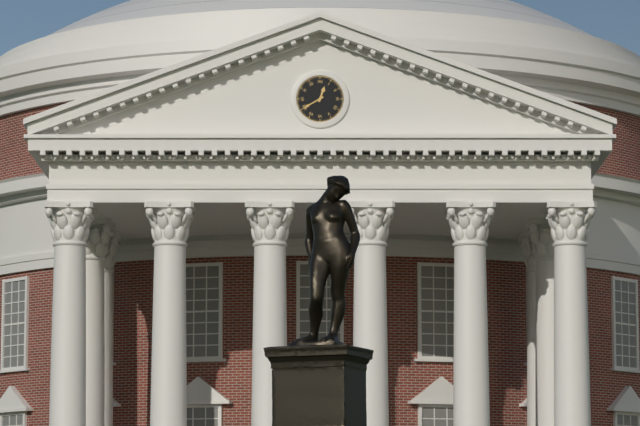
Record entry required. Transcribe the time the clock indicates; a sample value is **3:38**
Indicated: **12:40**
